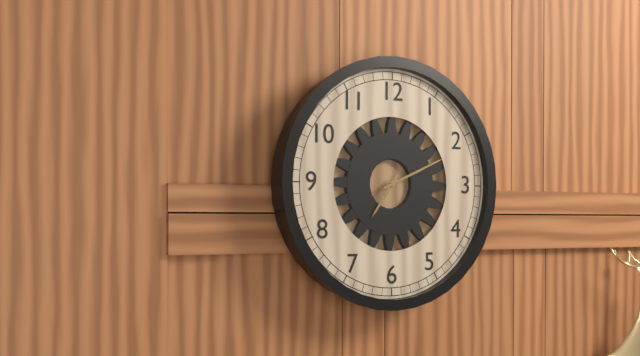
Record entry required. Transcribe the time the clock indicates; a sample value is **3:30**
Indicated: **7:11**
